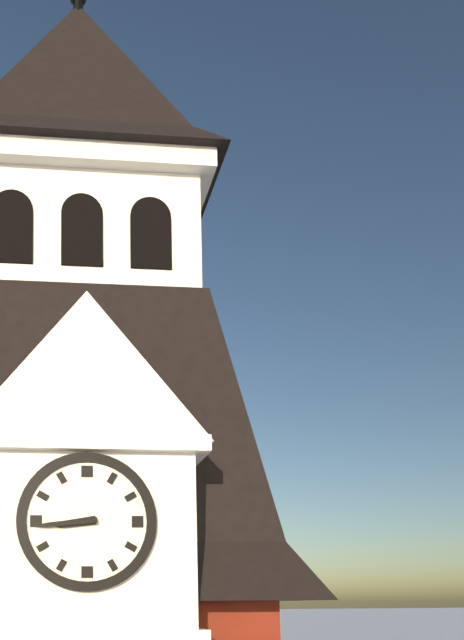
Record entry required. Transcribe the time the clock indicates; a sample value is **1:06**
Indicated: **8:44**
